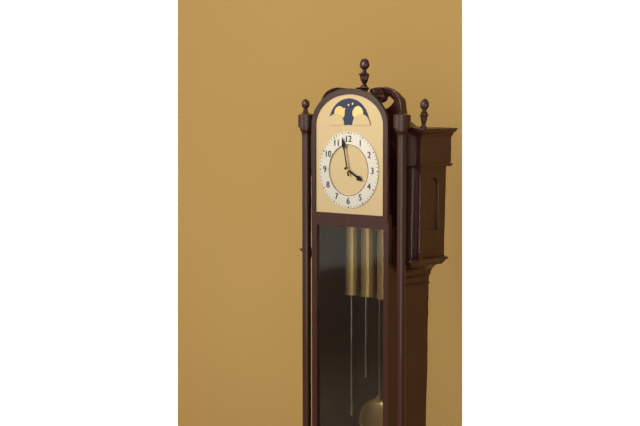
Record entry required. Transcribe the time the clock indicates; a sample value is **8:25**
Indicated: **3:58**
